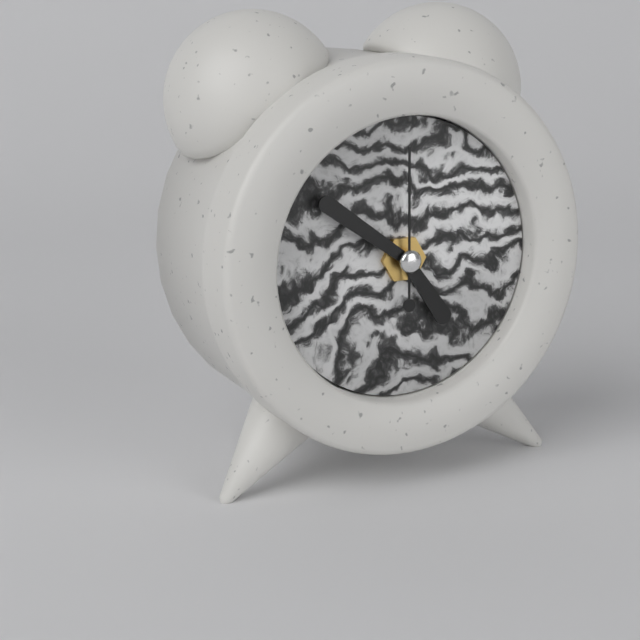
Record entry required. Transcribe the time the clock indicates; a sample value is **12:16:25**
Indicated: **4:51:00**
